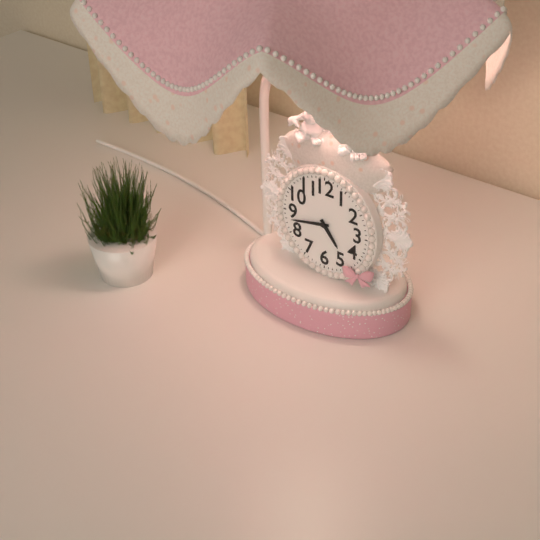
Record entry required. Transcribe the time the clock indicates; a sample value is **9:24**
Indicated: **4:43**
